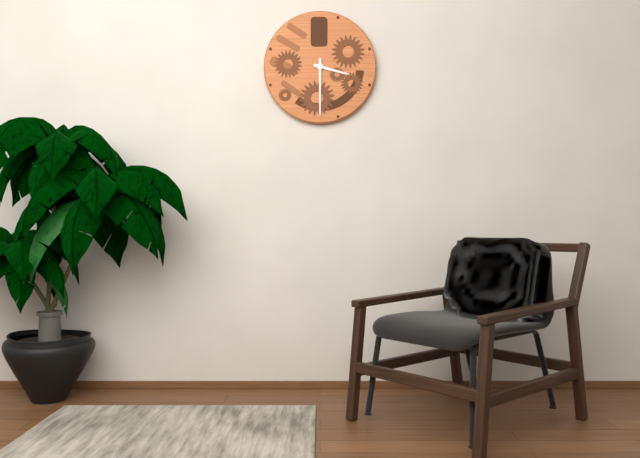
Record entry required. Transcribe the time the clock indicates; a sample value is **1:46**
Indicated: **3:30**
